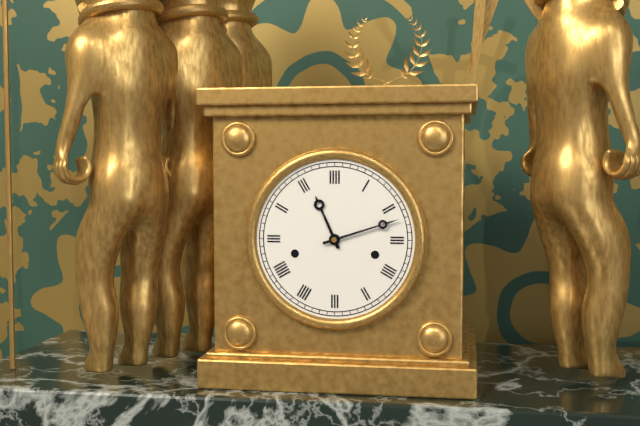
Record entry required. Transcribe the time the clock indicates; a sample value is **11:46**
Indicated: **11:12**
